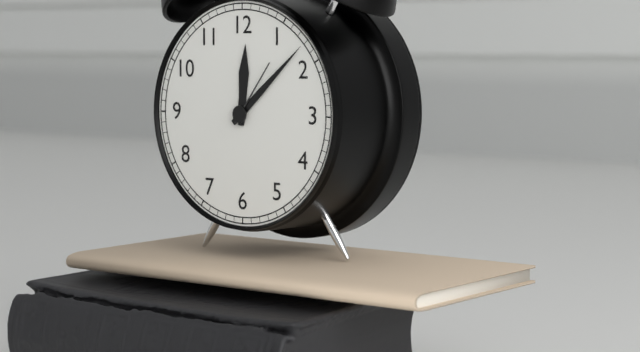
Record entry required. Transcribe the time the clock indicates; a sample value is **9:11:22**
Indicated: **12:08:06**
